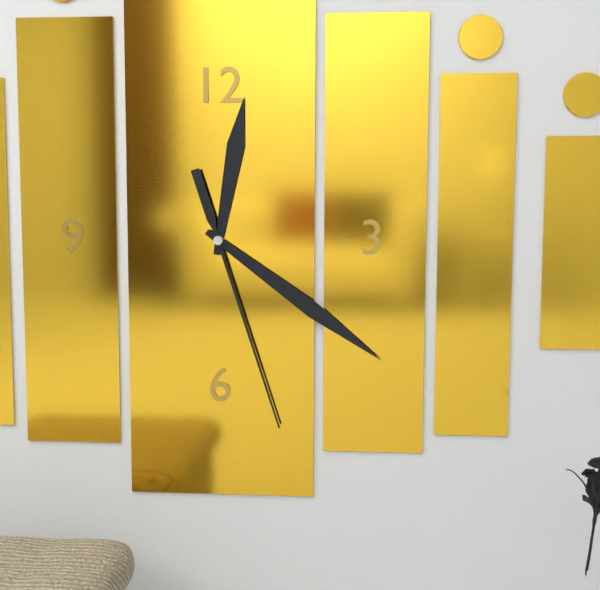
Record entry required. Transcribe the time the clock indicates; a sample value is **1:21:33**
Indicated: **12:21:27**
